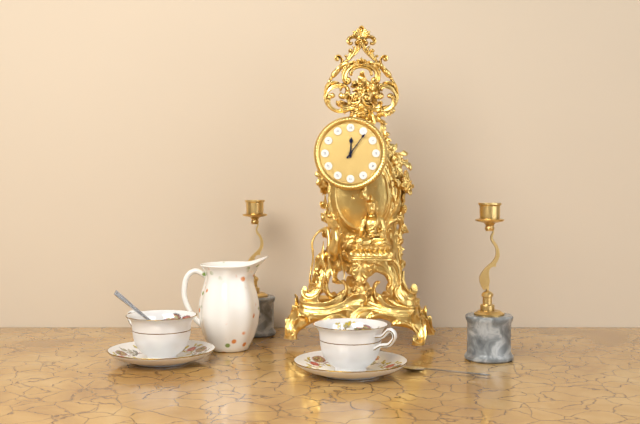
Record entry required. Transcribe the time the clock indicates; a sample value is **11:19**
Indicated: **12:06**
